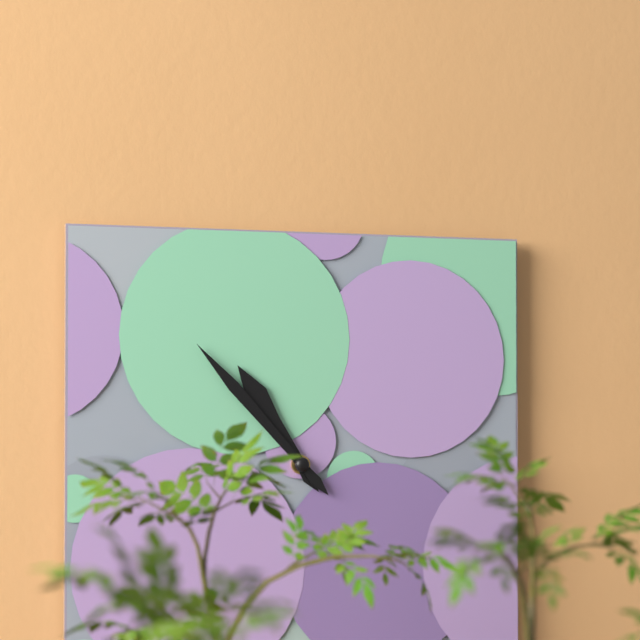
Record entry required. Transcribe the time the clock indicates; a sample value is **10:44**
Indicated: **10:53**
